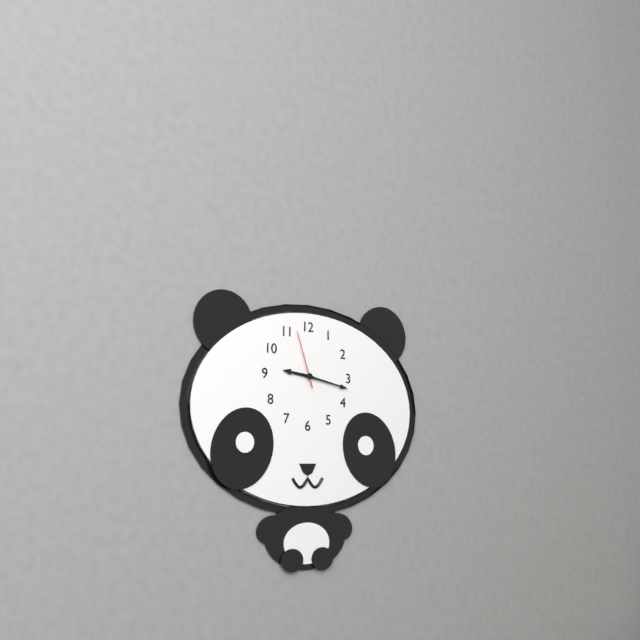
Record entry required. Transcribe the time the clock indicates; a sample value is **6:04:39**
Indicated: **9:17:57**
